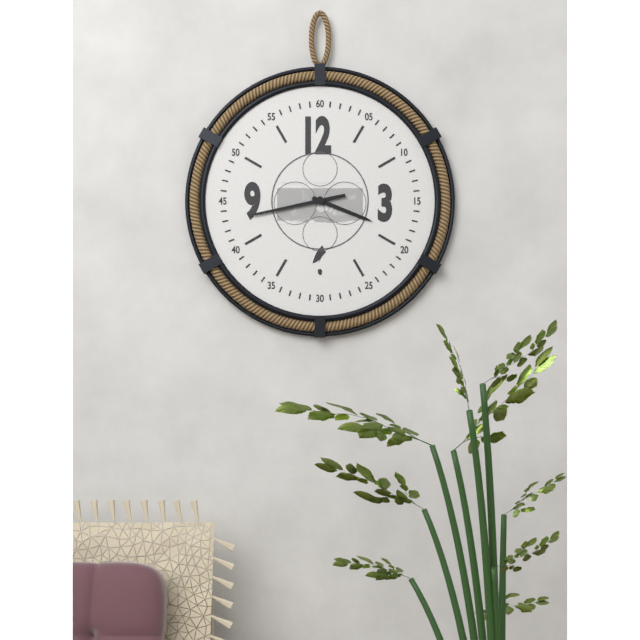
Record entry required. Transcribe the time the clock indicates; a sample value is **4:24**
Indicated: **3:43**
